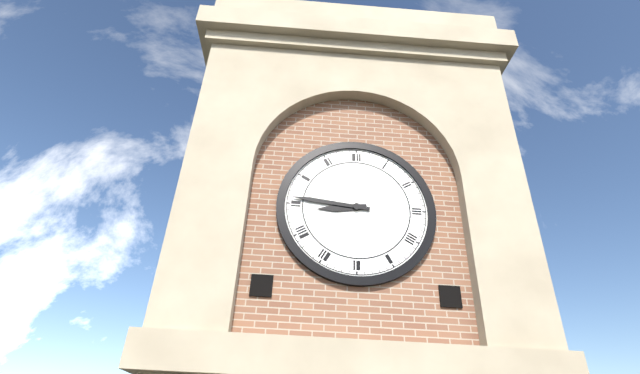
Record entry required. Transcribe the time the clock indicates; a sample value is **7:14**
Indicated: **8:46**
